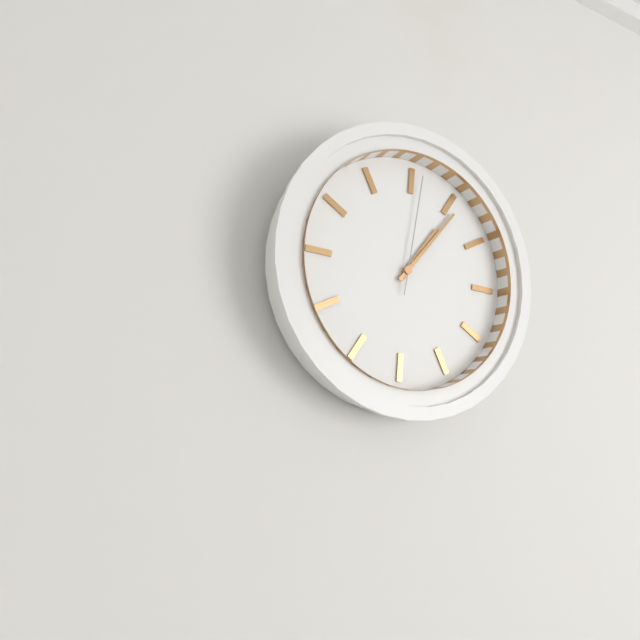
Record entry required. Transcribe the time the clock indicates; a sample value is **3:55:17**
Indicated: **1:06:01**
